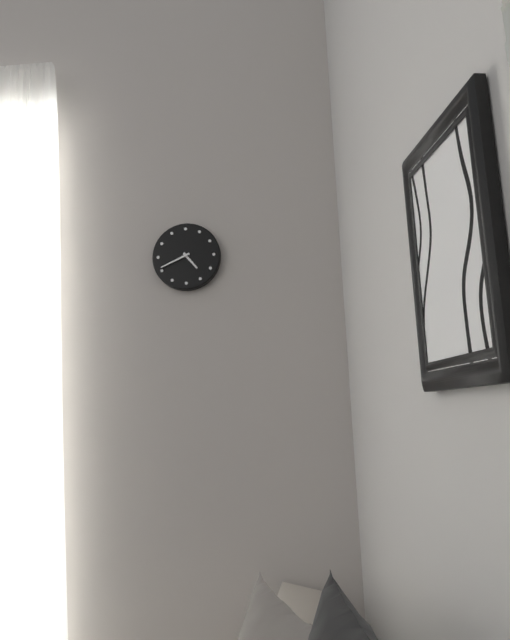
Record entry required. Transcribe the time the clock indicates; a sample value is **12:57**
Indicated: **4:41**
